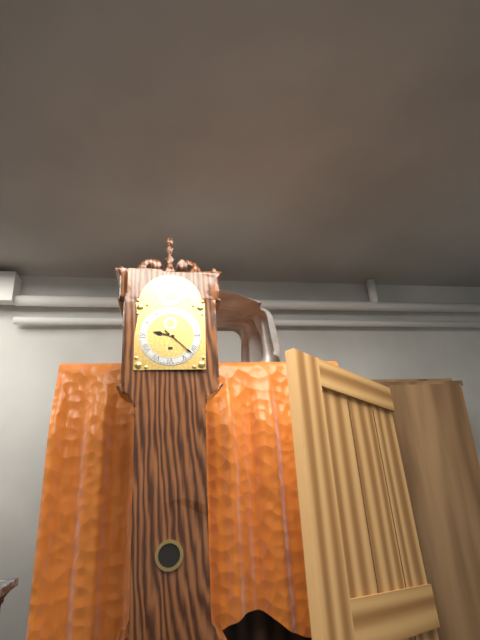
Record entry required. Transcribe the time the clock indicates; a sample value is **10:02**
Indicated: **9:22**
